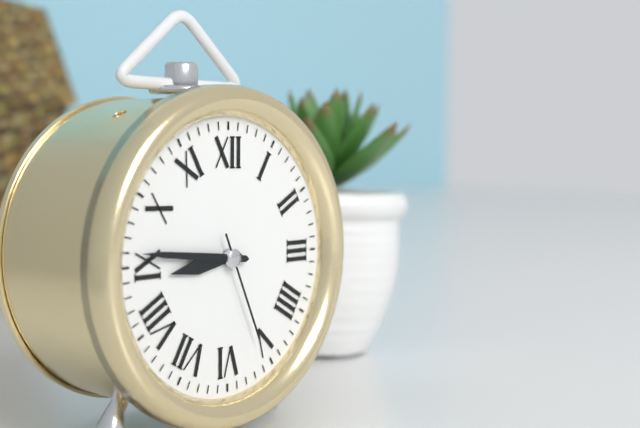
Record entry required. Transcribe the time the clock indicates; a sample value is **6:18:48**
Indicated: **8:46:26**
